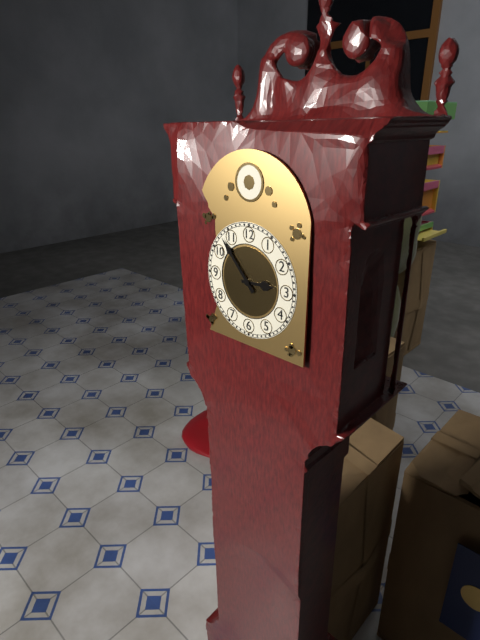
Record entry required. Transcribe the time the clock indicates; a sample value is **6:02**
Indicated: **2:53**
